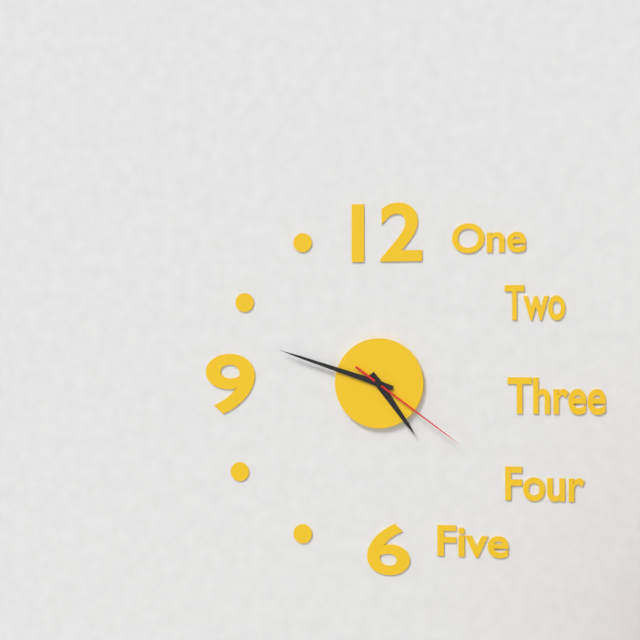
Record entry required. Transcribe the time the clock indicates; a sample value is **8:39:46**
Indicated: **4:48:21**
